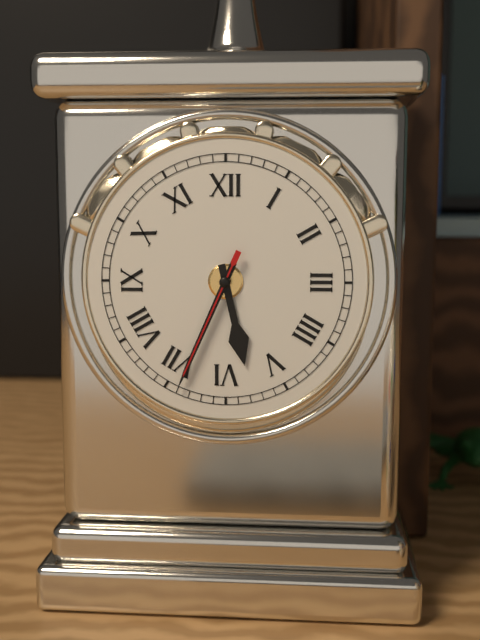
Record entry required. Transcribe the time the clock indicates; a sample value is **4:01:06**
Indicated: **5:34:34**
